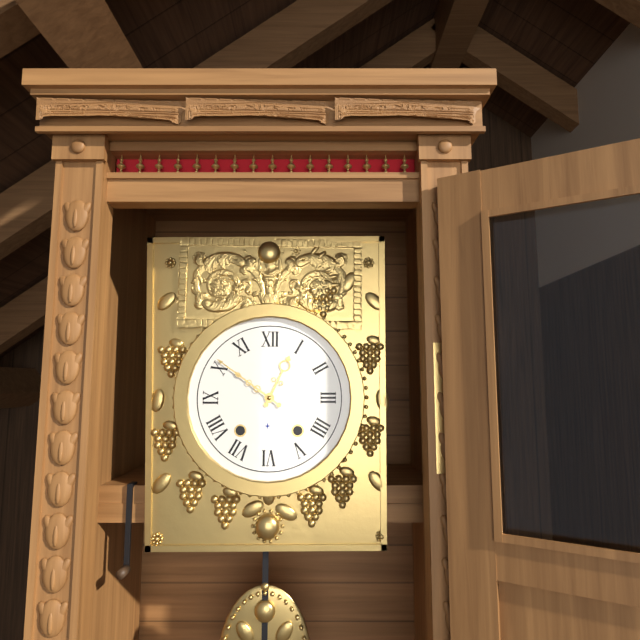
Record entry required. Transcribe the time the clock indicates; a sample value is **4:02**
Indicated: **12:51**
